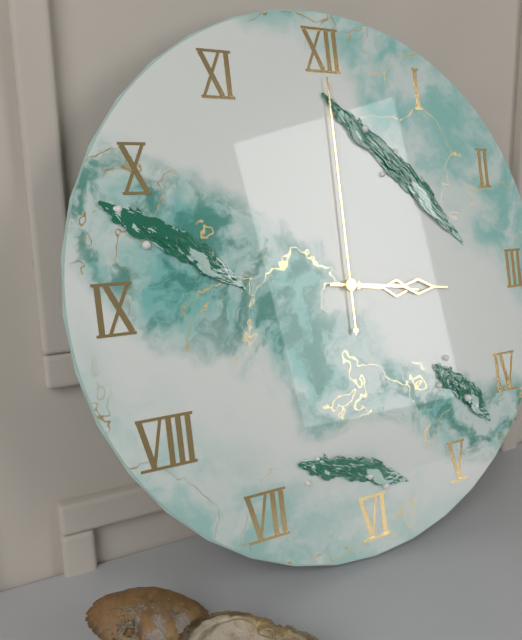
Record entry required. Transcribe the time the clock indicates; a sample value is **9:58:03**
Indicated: **3:16:00**
